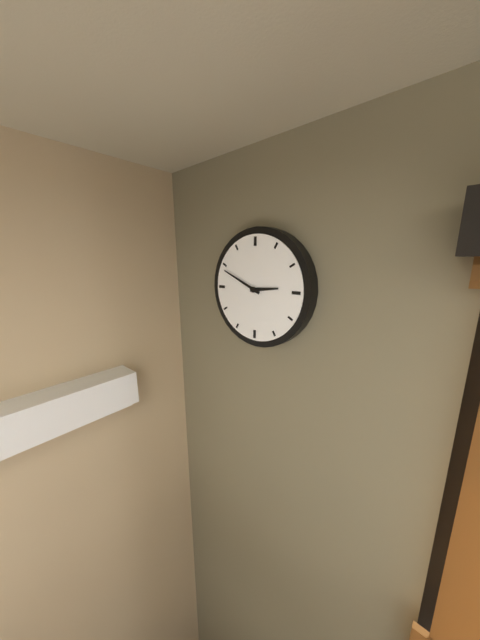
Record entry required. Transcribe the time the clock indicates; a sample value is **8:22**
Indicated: **2:49**
